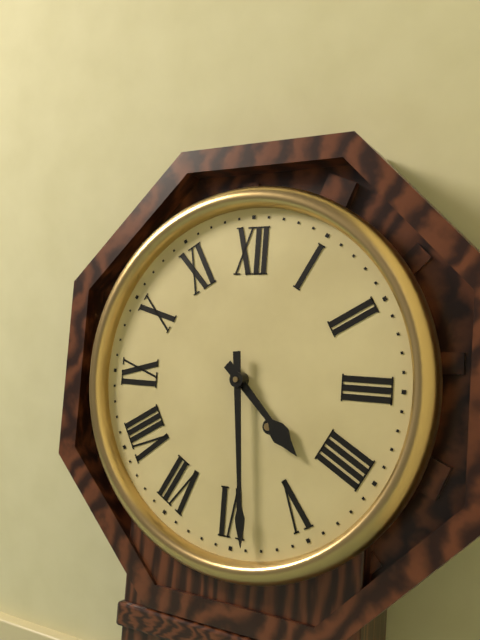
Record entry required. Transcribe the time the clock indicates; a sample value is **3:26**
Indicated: **4:29**
